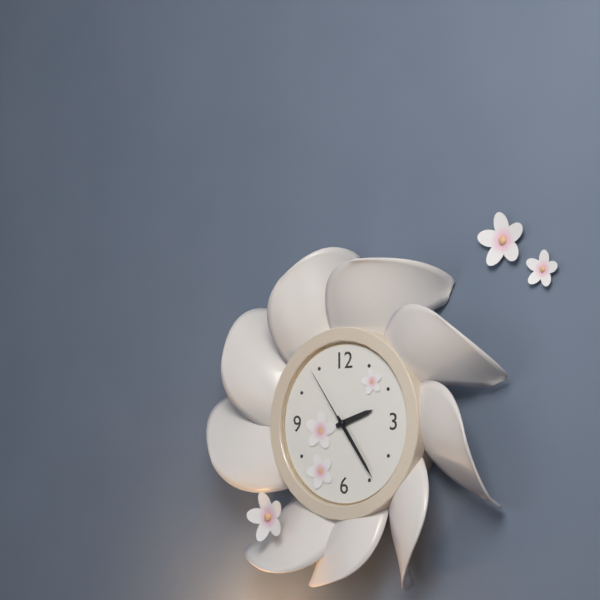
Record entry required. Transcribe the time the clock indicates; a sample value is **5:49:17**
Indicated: **2:24:54**
